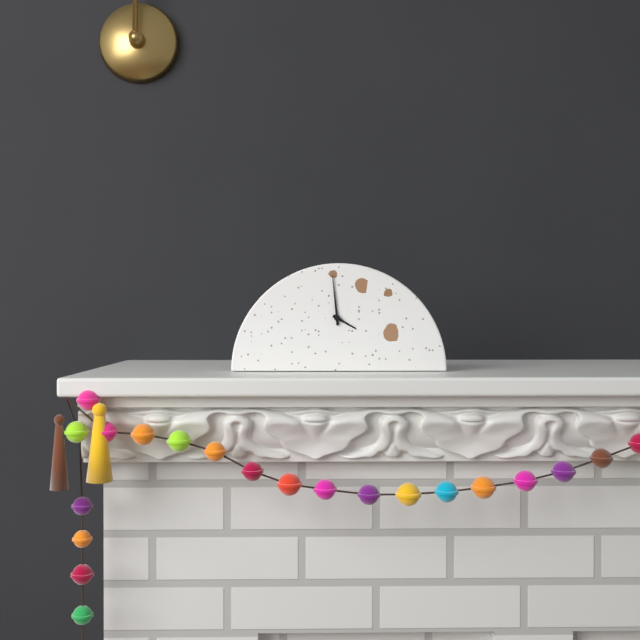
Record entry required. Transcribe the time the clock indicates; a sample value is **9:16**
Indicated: **3:59**
